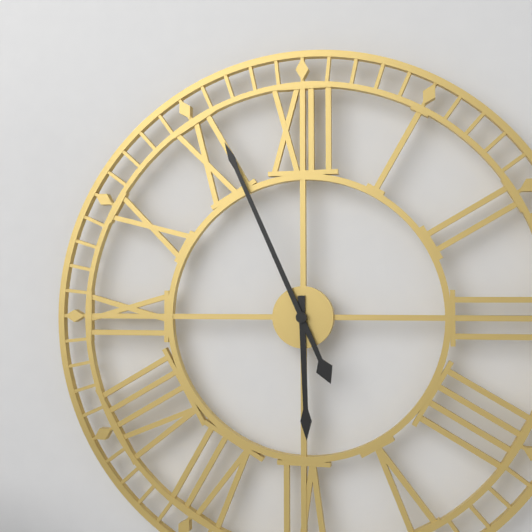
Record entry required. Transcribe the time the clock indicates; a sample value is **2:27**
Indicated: **5:56**
